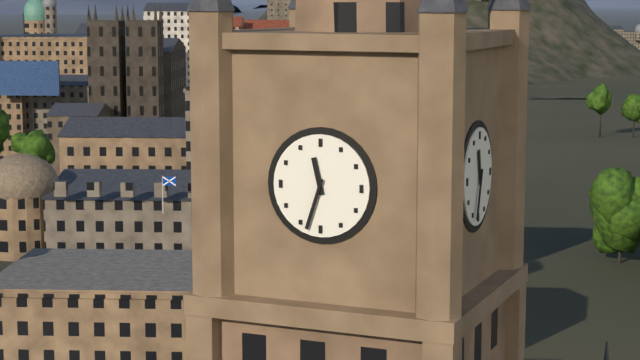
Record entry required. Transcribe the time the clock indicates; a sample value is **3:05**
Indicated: **11:33**
